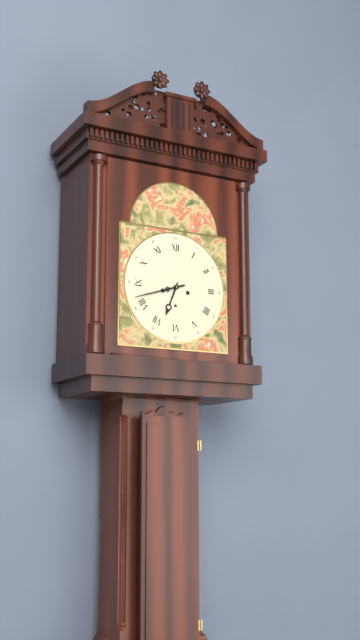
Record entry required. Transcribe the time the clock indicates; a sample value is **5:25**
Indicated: **6:42**
